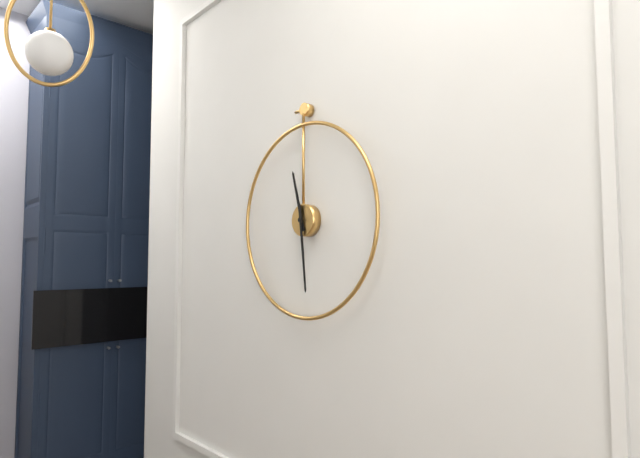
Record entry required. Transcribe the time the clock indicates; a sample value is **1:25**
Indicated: **11:29**
